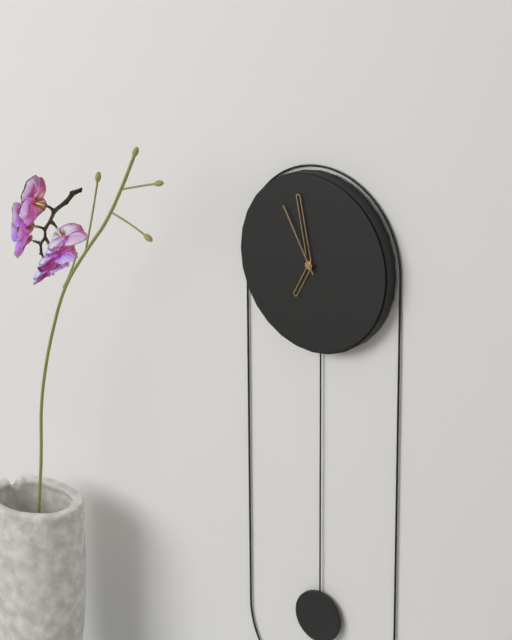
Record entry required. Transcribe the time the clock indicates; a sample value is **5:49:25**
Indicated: **6:58:55**
